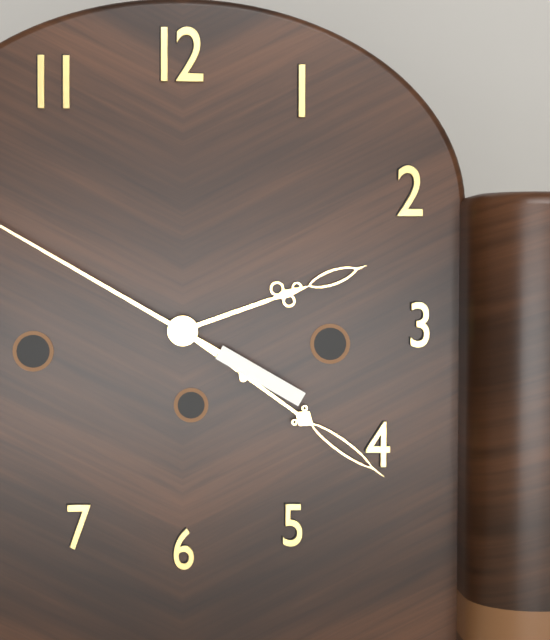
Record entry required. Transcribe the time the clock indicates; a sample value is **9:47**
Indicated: **2:21**
